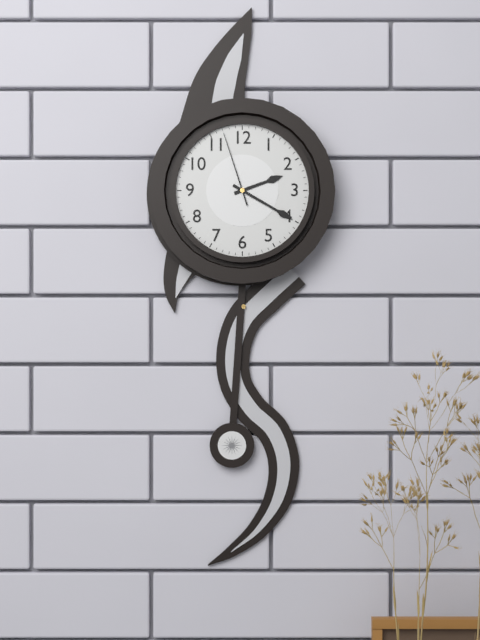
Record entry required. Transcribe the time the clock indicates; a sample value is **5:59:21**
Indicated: **2:20:57**
